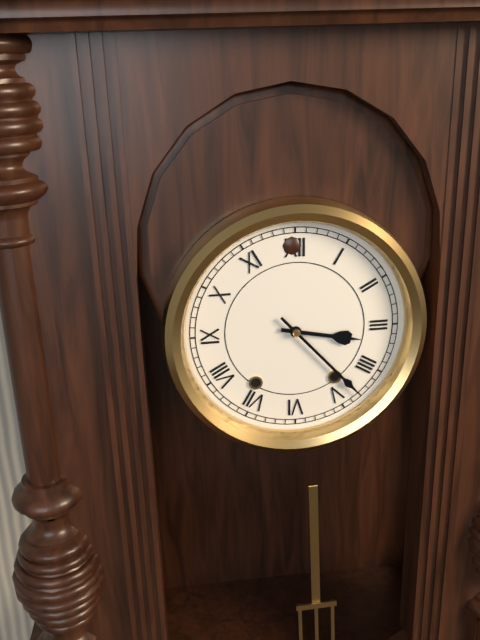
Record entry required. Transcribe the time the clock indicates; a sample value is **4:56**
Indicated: **3:23**
